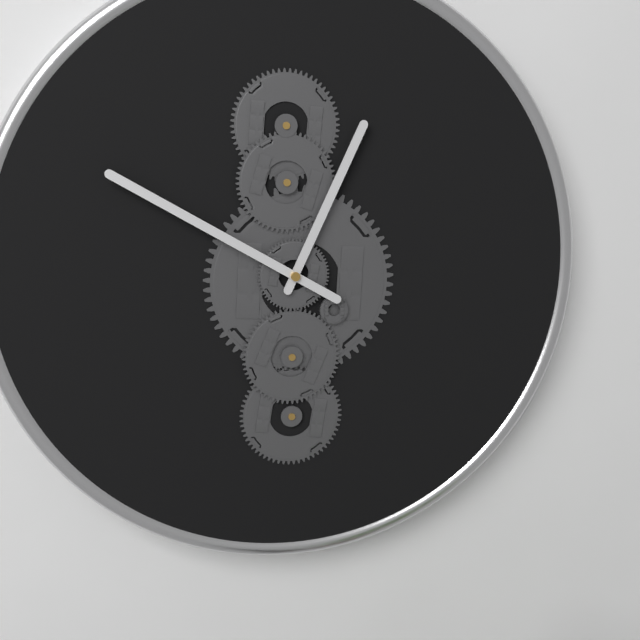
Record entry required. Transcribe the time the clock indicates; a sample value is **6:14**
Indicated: **12:50**
